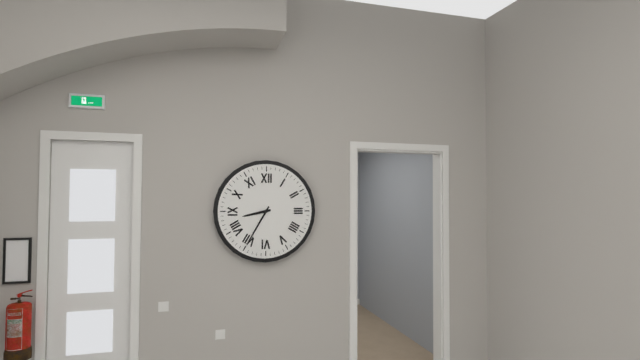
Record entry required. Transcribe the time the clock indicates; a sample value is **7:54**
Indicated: **8:35**
